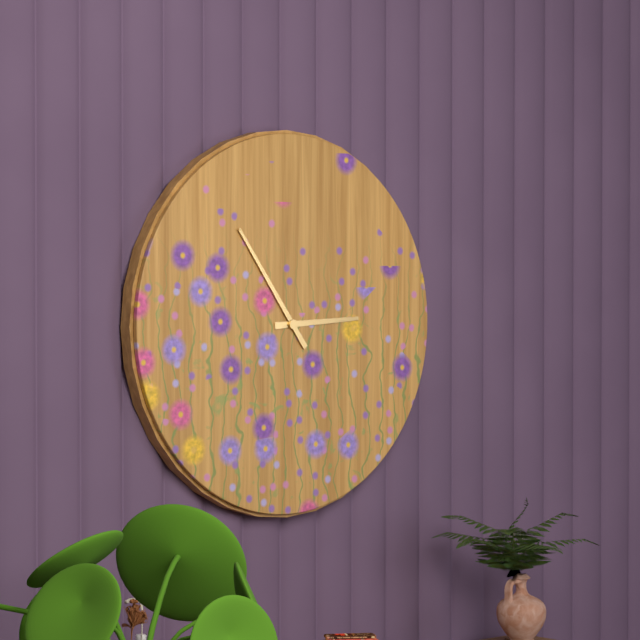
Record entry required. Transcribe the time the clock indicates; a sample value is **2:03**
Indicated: **2:54**
